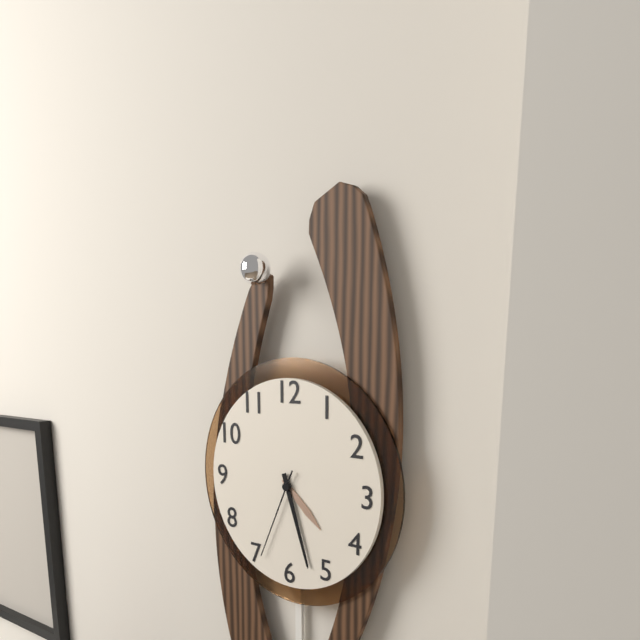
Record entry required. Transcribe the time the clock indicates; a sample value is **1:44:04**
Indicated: **4:27:34**
